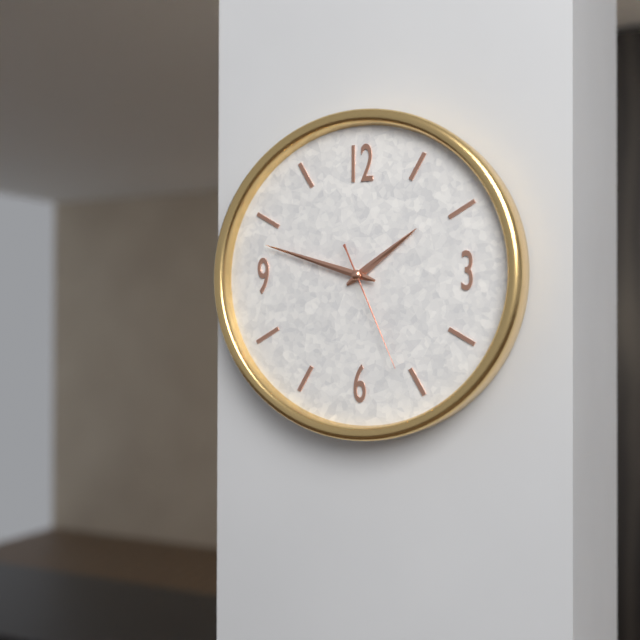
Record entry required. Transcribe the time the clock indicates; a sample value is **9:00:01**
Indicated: **1:48:26**
